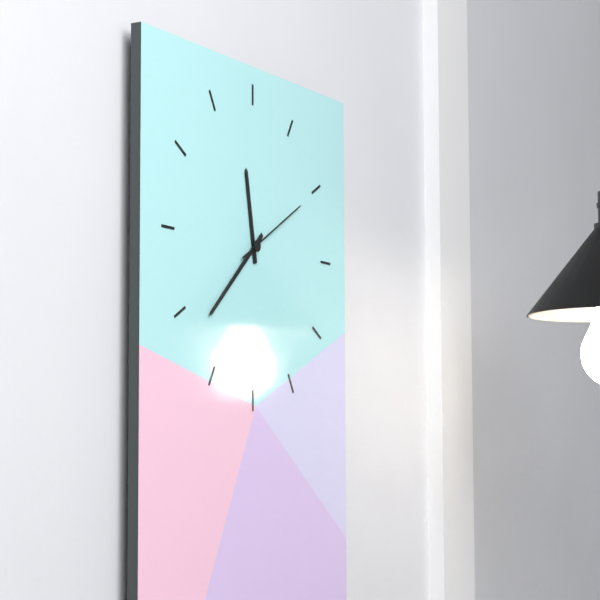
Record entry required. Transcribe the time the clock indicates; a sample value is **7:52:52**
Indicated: **11:38:10**
